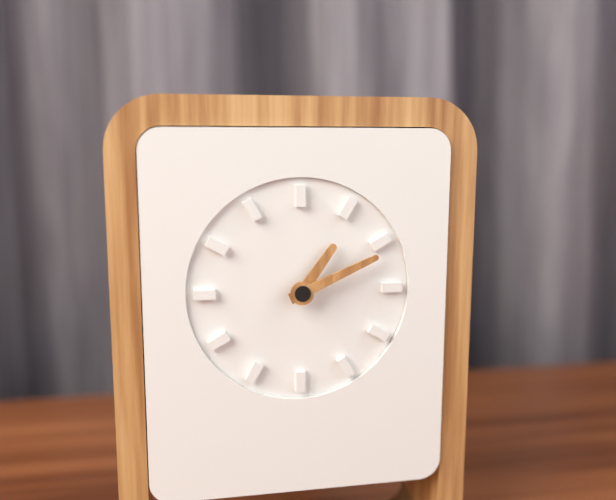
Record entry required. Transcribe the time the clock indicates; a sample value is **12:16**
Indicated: **1:11**
